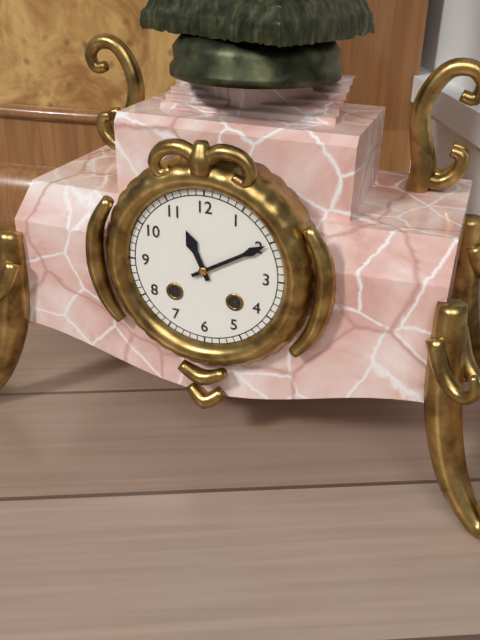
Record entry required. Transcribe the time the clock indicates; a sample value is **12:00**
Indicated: **11:10**
